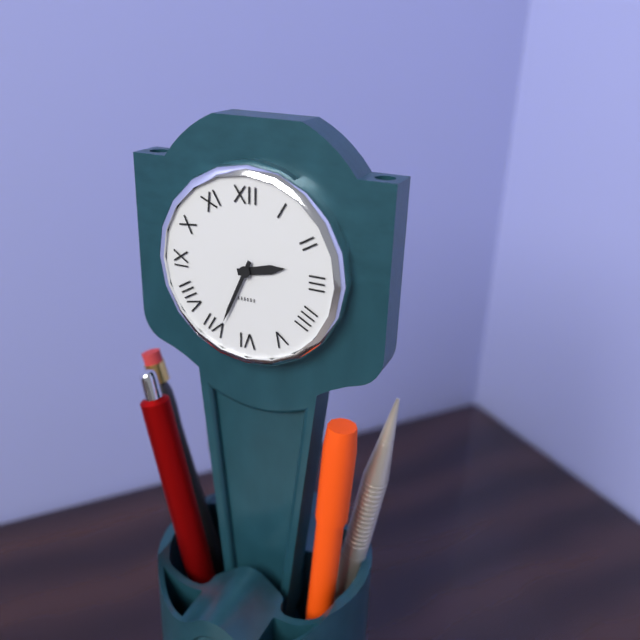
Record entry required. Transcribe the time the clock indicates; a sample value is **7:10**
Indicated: **2:34**
